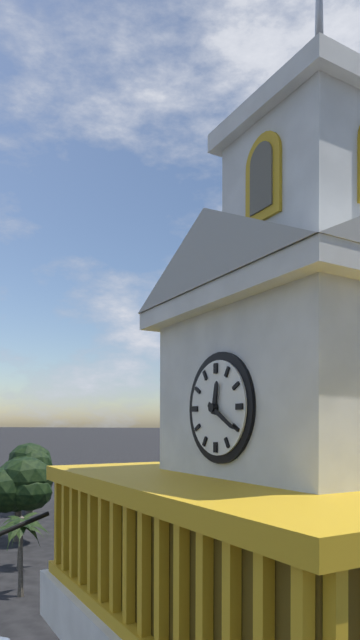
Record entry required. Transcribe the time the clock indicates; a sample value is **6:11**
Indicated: **12:20**
